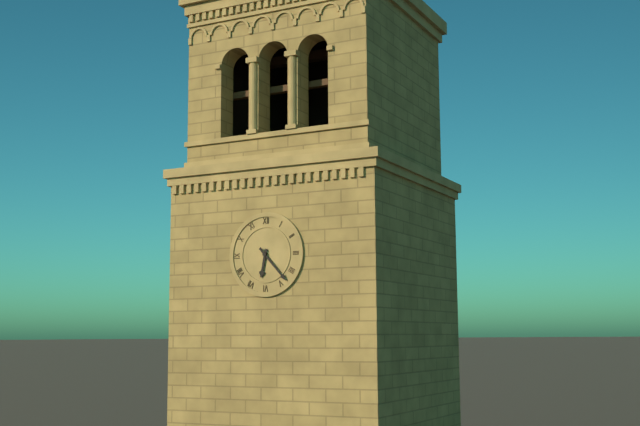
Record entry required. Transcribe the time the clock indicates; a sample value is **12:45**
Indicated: **6:23**
